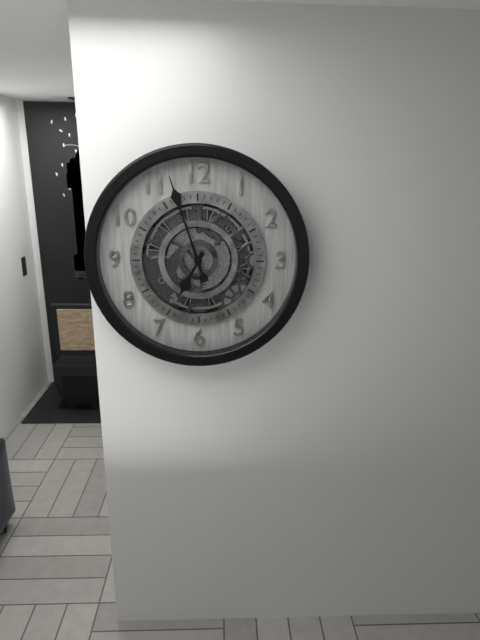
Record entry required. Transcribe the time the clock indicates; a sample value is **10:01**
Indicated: **6:57**
